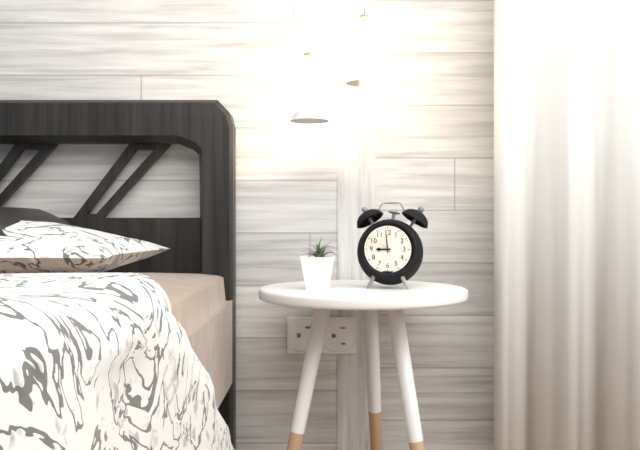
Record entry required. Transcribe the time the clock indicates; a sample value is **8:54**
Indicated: **8:59**
